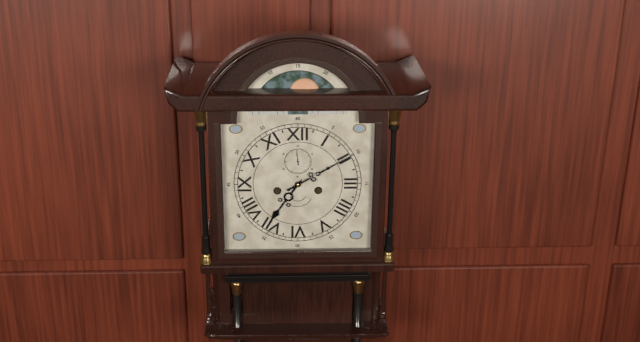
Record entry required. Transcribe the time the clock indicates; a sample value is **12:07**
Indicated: **7:10**
